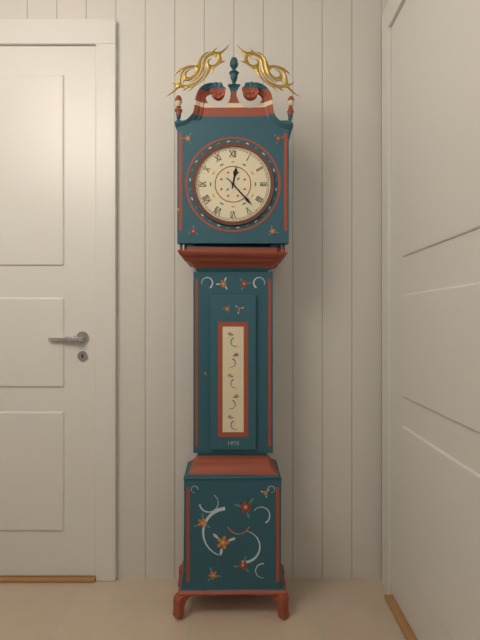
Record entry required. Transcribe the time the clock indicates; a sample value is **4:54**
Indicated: **12:23**
